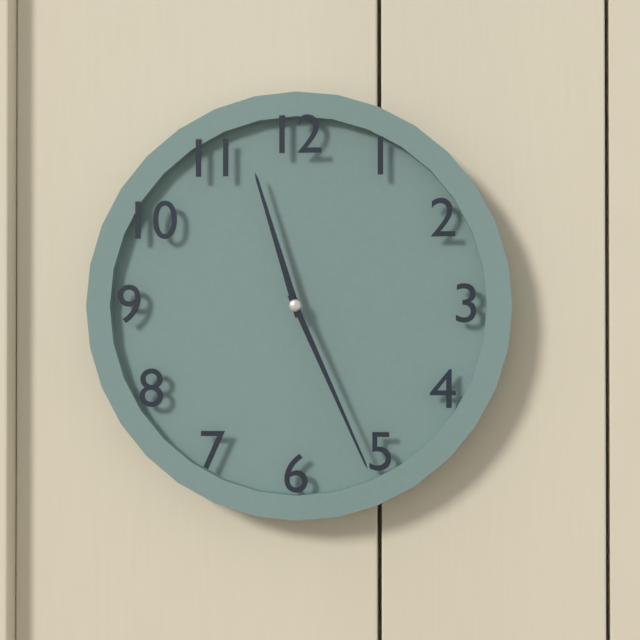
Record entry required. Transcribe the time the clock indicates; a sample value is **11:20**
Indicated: **11:26**
